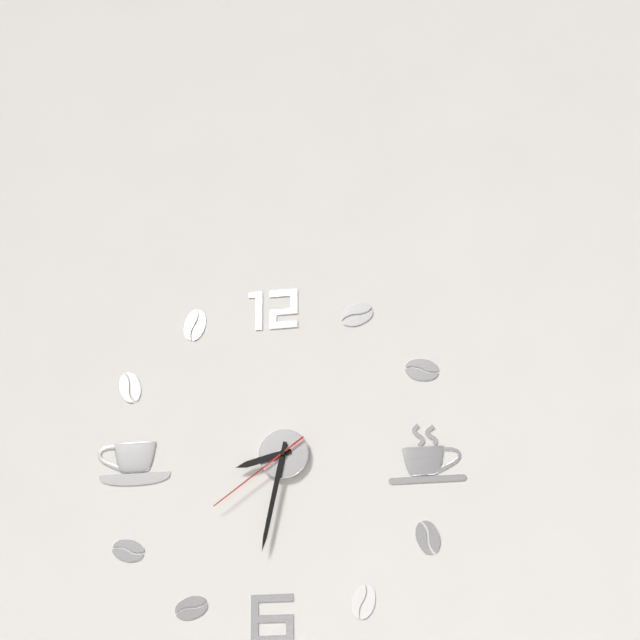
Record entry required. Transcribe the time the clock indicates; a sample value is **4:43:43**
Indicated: **8:32:39**
